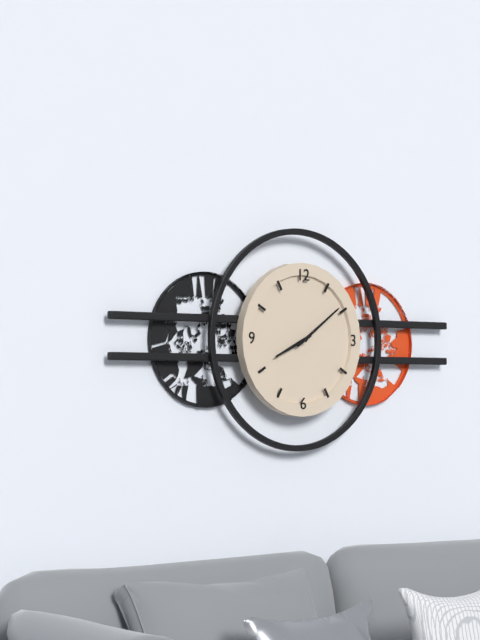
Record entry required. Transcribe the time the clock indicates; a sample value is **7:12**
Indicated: **8:09**
